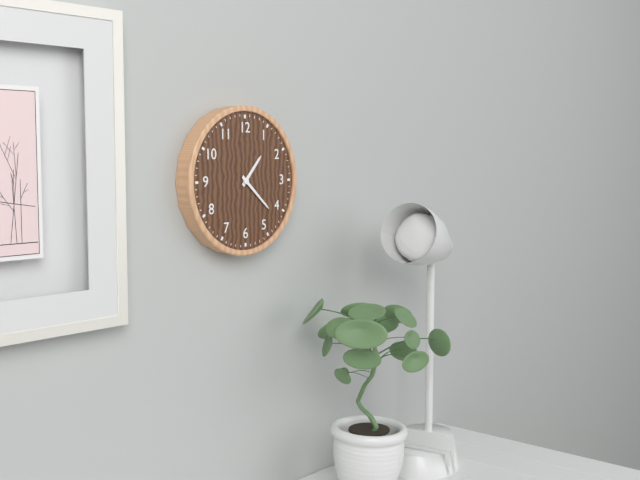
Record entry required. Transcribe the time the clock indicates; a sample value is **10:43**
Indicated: **1:22**
